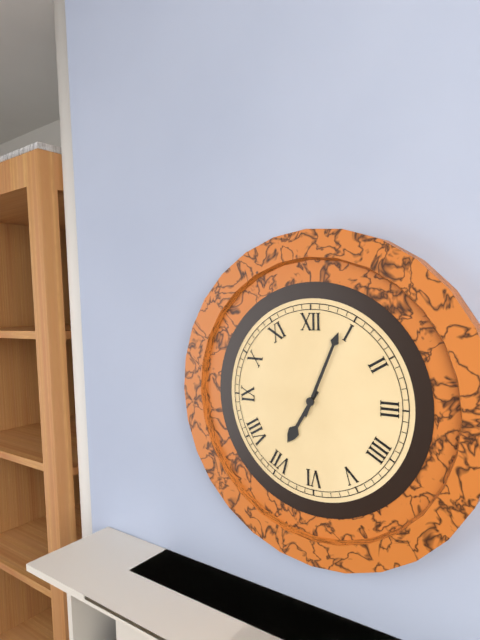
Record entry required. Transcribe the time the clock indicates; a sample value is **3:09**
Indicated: **7:04**
